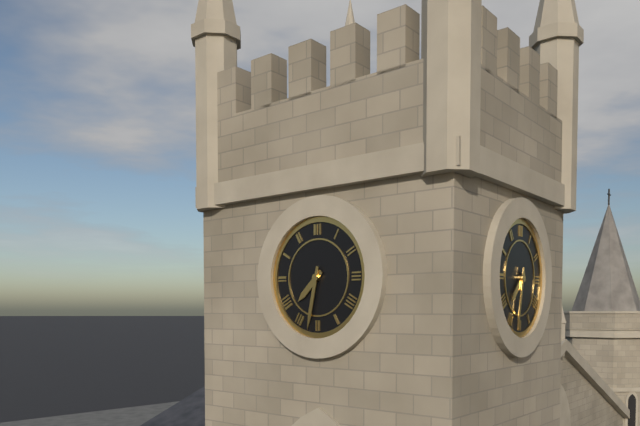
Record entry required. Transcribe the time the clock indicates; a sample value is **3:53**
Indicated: **7:32**
